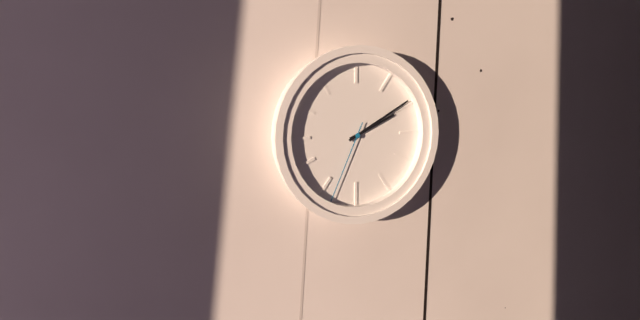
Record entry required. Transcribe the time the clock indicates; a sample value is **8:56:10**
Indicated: **2:10:34**
